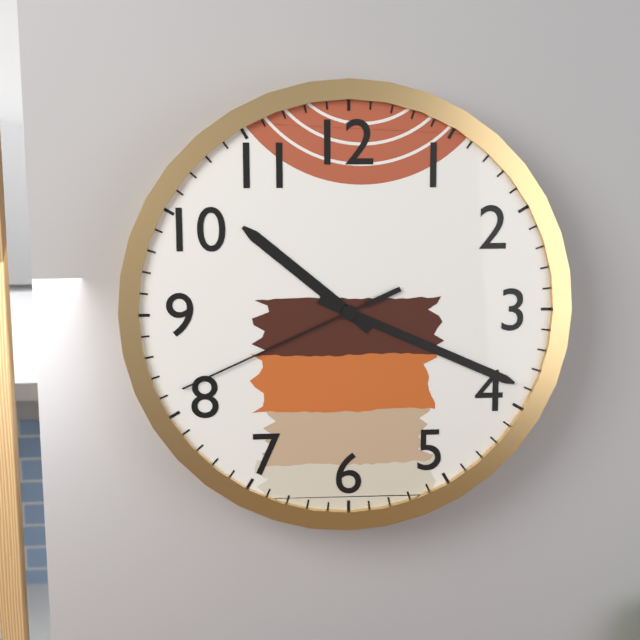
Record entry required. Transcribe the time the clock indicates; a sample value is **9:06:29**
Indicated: **10:19:41**
